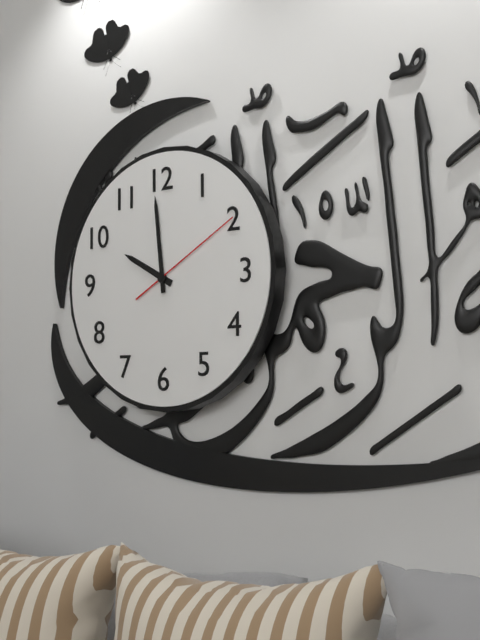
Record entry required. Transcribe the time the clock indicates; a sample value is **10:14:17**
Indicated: **9:59:10**
